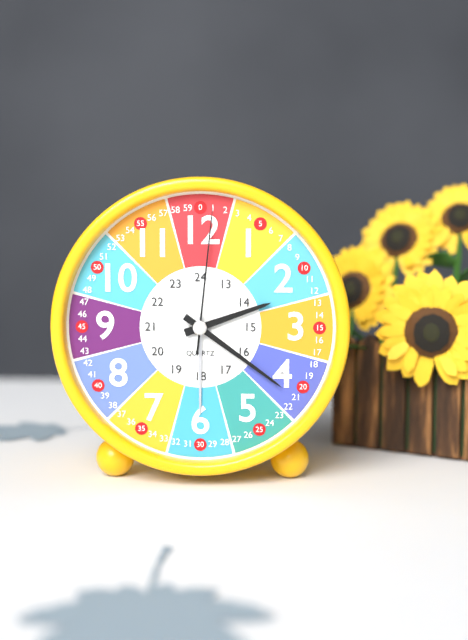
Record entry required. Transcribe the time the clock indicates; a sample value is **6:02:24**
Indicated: **2:21:01**
